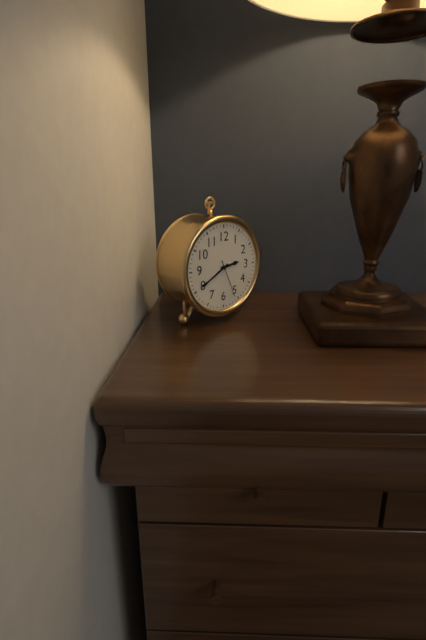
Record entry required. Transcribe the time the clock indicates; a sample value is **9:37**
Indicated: **2:40**
